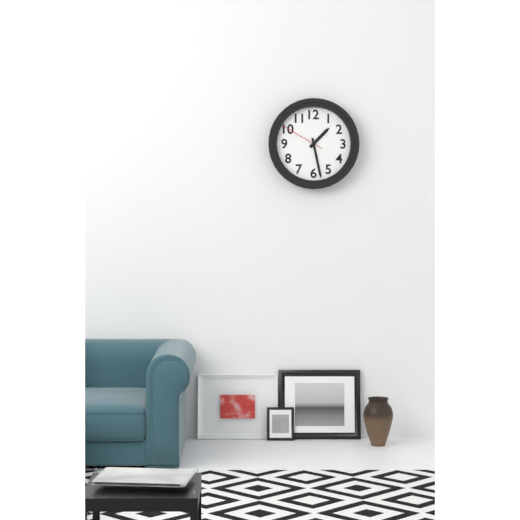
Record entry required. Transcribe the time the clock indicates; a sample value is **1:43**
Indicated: **1:28**
